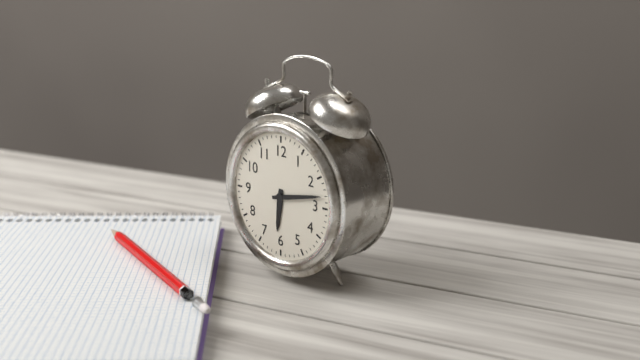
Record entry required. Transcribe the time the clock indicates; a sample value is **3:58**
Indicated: **6:13**
